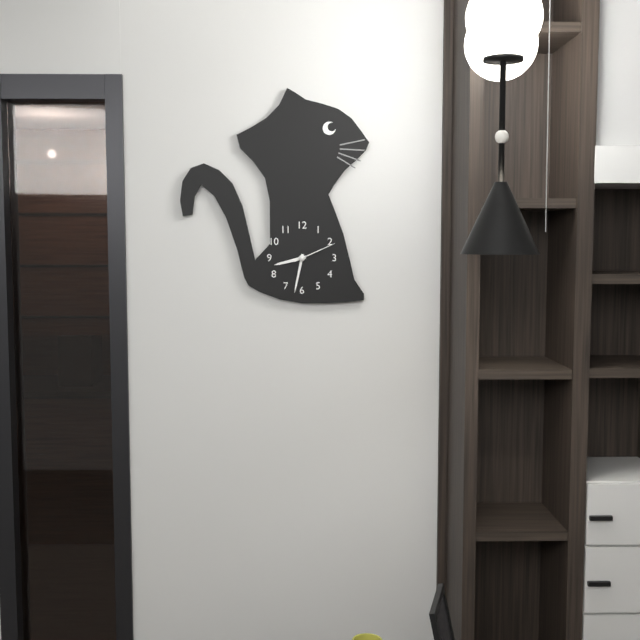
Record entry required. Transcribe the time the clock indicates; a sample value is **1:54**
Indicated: **8:32**
